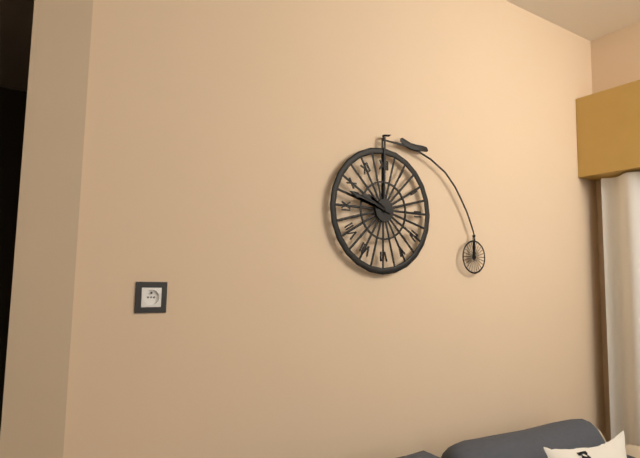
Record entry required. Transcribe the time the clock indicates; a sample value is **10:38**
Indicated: **9:48**
